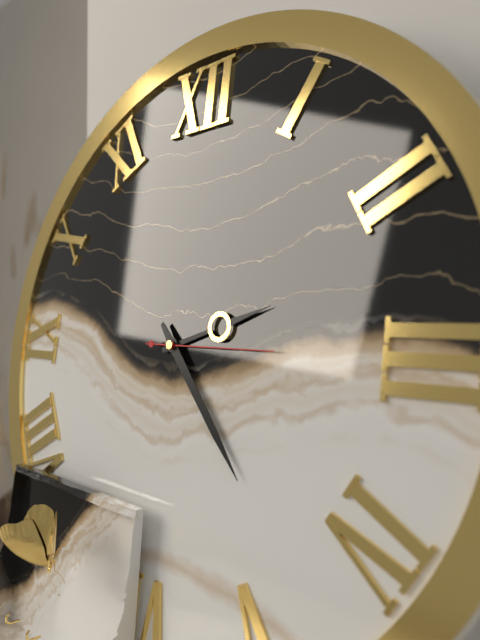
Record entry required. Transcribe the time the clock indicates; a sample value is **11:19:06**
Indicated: **2:23:15**
